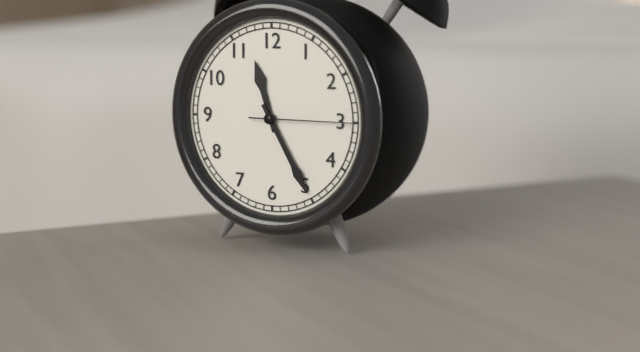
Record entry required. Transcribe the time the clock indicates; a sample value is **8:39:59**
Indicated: **11:25:15**
